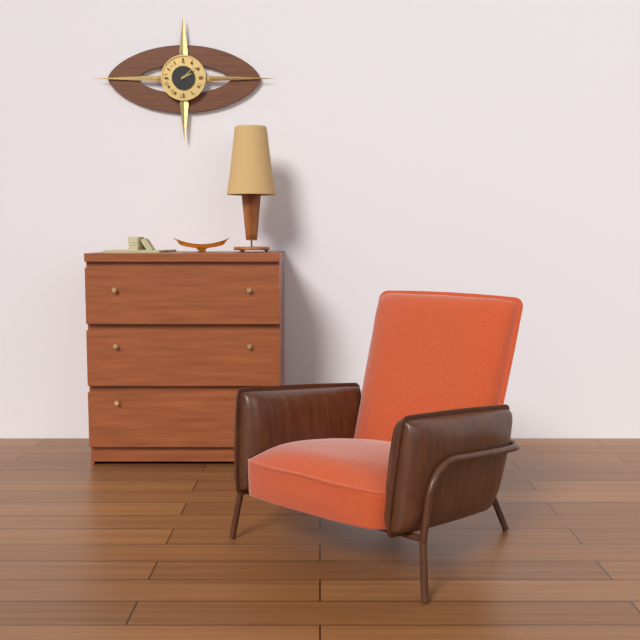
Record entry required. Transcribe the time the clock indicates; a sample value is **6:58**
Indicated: **2:08**
